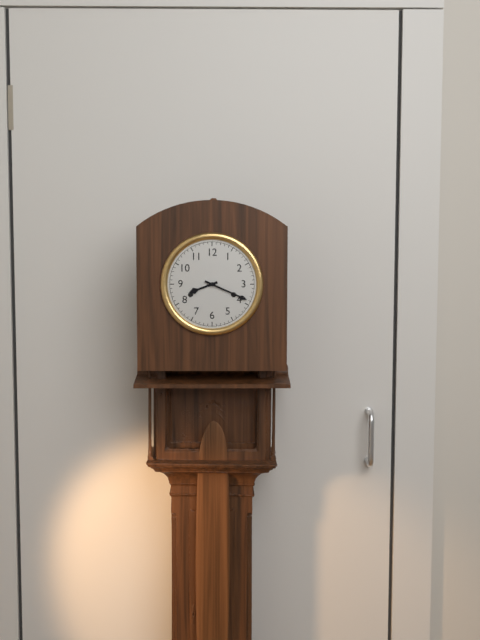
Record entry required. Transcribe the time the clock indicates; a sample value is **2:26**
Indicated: **8:19**
